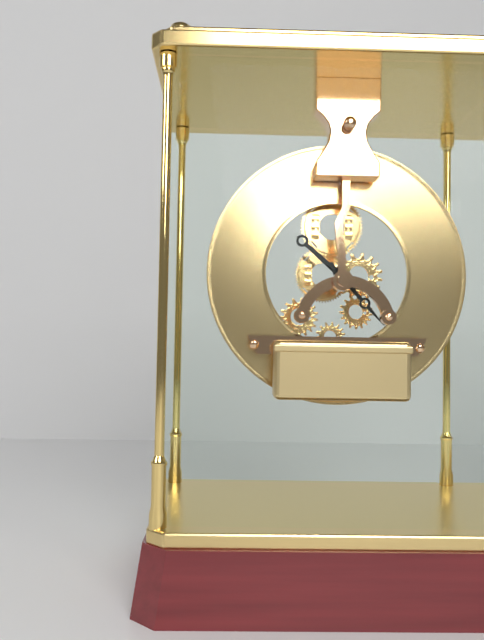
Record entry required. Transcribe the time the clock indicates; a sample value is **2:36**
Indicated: **10:23**
